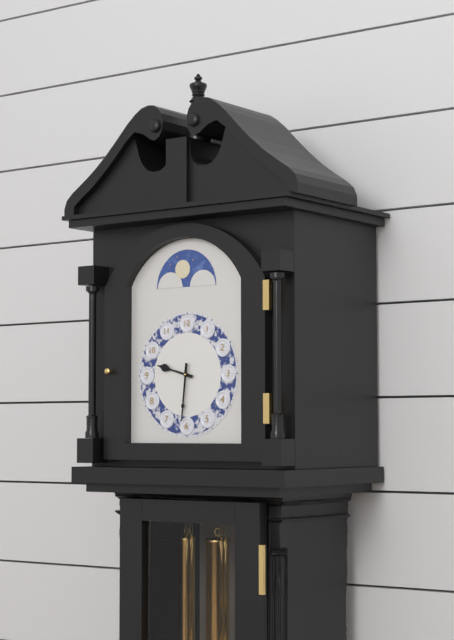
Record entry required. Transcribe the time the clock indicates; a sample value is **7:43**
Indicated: **9:31**
